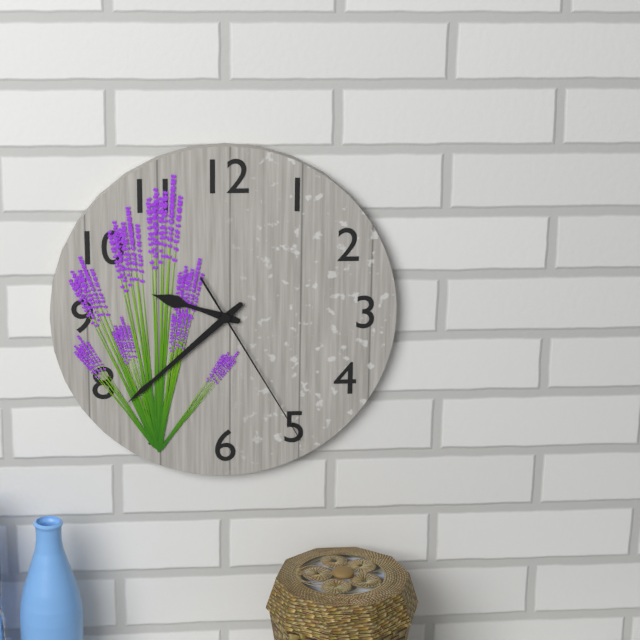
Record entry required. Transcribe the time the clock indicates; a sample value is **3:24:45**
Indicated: **9:38:25**
